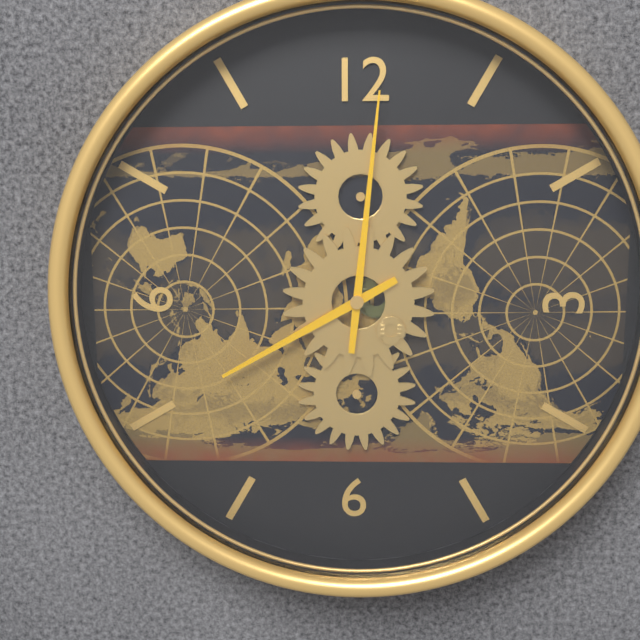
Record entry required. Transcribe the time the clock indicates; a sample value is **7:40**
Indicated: **8:01**
